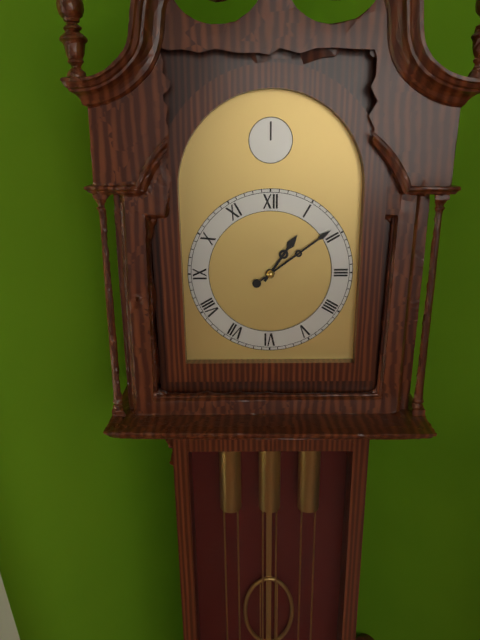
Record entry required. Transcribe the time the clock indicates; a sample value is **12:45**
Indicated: **1:09**
